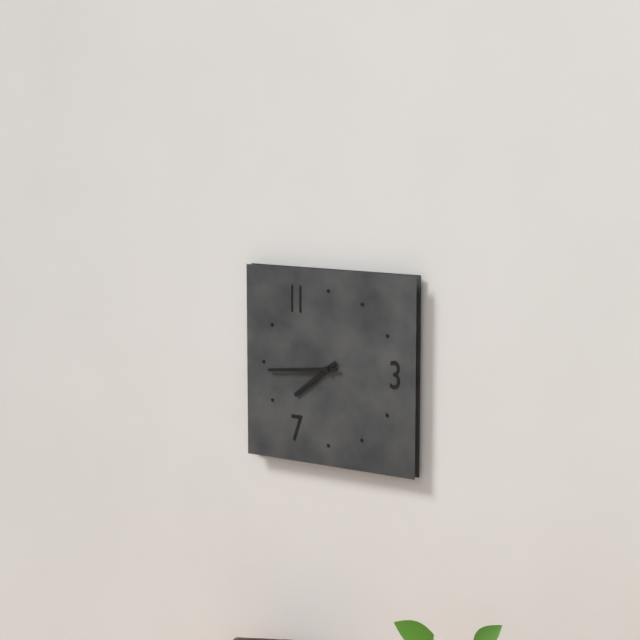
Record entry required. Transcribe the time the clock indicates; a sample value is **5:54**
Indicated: **7:44**
